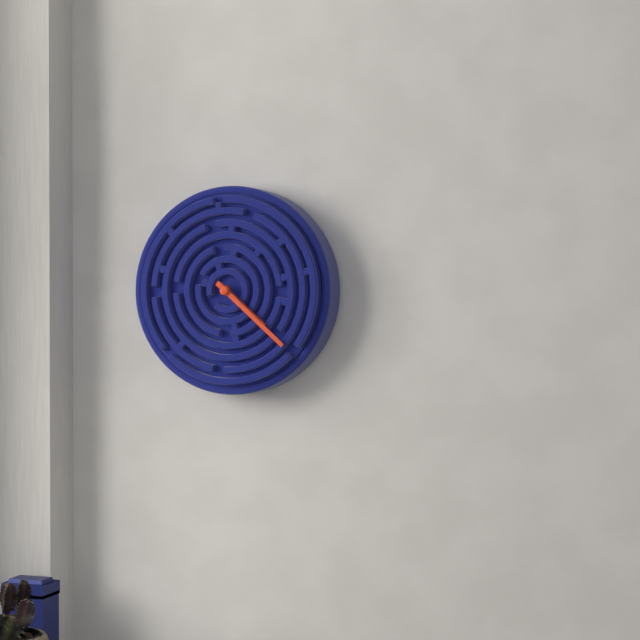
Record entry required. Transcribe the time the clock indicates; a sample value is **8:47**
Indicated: **4:22**
